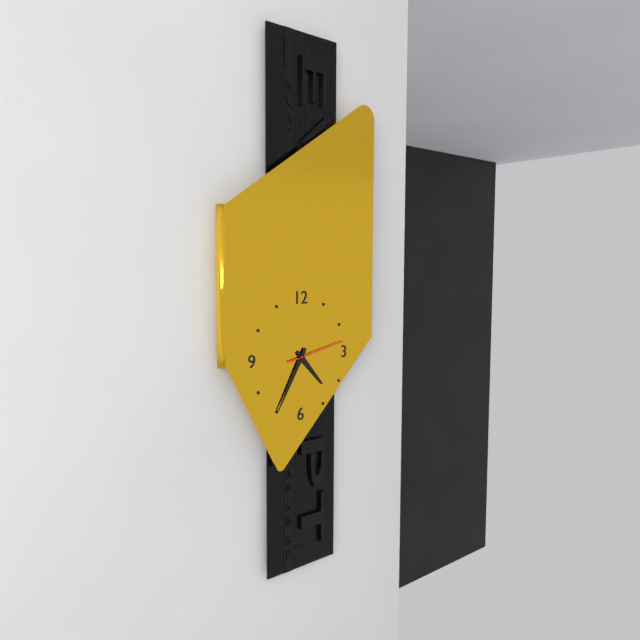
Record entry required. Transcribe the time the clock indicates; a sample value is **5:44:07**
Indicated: **4:35:13**
